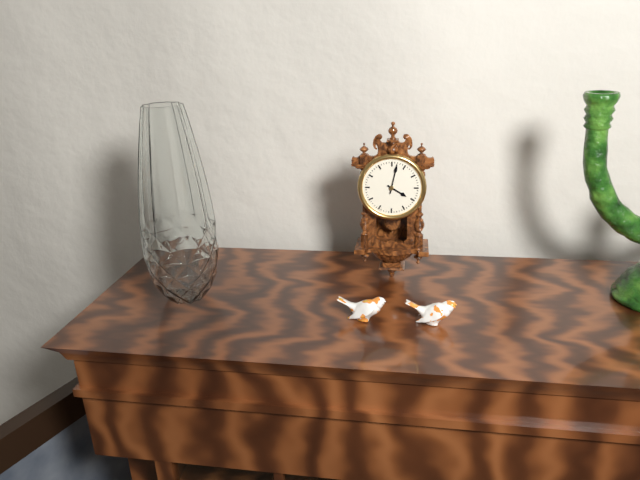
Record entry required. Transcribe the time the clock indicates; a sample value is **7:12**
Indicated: **4:02**
